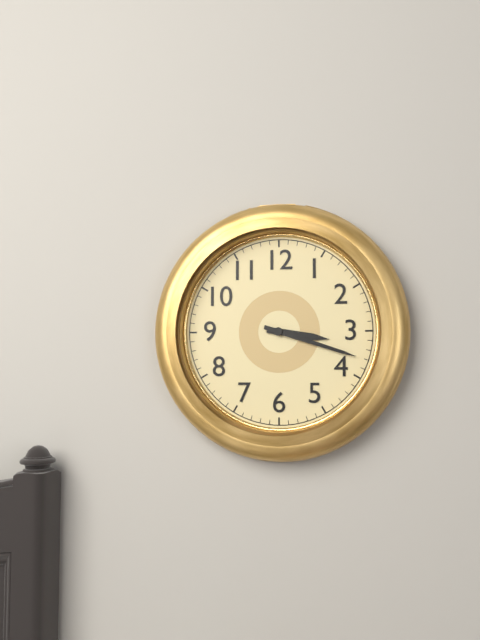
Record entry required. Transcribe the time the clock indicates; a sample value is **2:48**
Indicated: **3:18**
